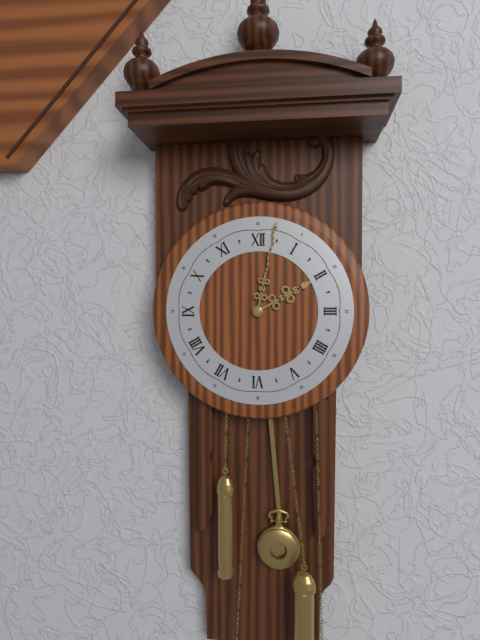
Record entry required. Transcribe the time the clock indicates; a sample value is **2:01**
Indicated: **2:02**
